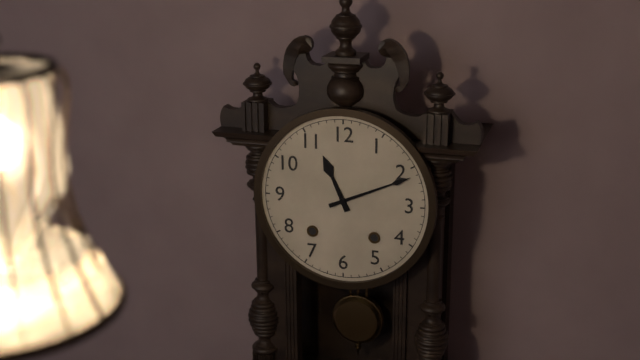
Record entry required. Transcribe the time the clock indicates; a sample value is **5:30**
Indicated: **11:11**
